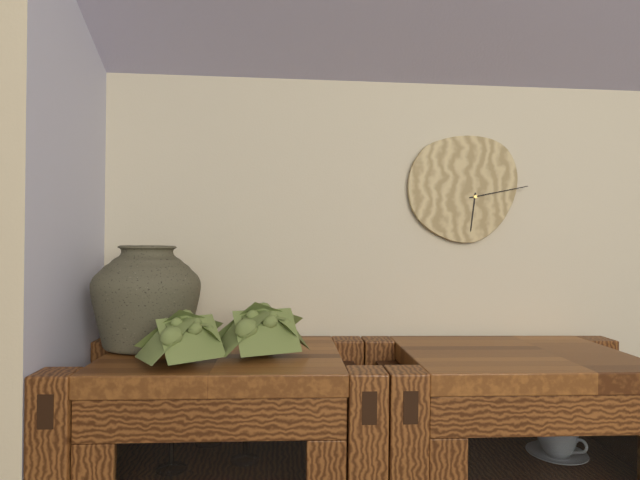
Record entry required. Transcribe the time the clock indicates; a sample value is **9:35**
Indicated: **6:13**
